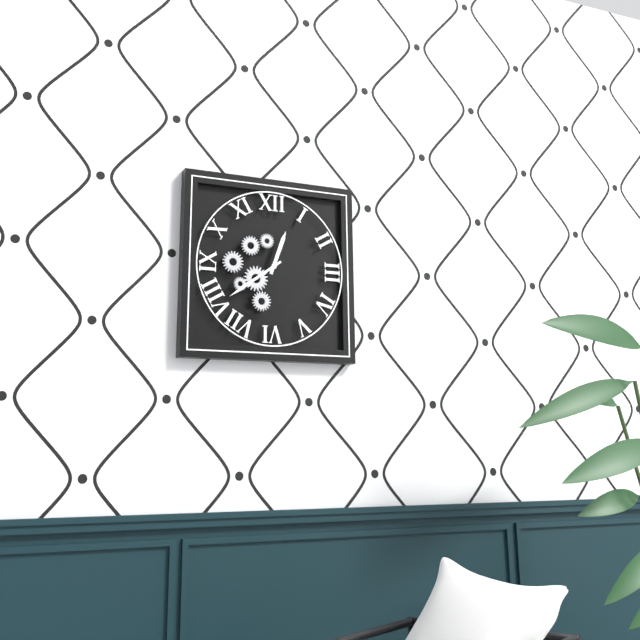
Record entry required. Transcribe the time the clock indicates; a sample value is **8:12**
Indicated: **12:39**
